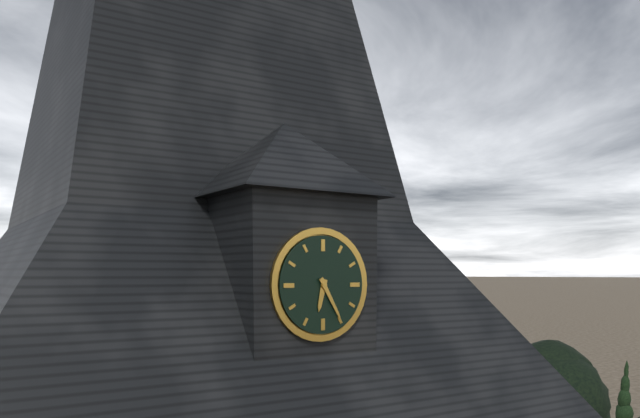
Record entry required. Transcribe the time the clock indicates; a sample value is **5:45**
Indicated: **6:25**
